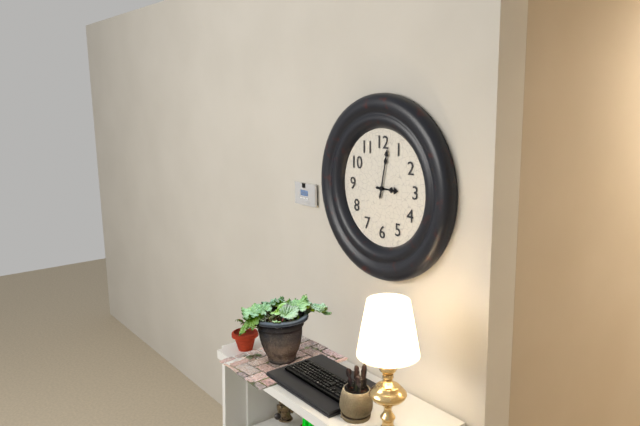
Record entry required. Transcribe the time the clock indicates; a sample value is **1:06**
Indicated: **3:02**
